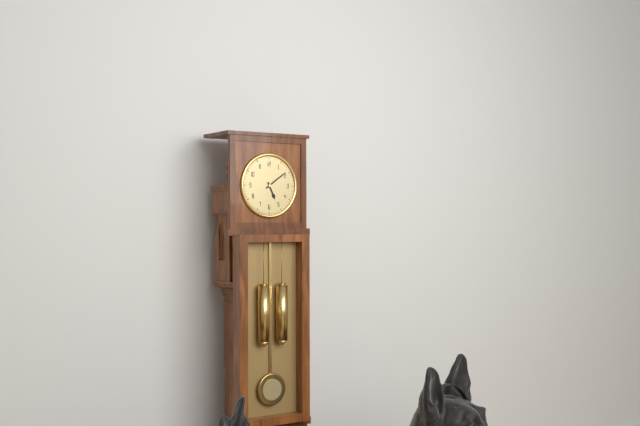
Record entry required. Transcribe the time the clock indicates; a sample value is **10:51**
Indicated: **5:09**
